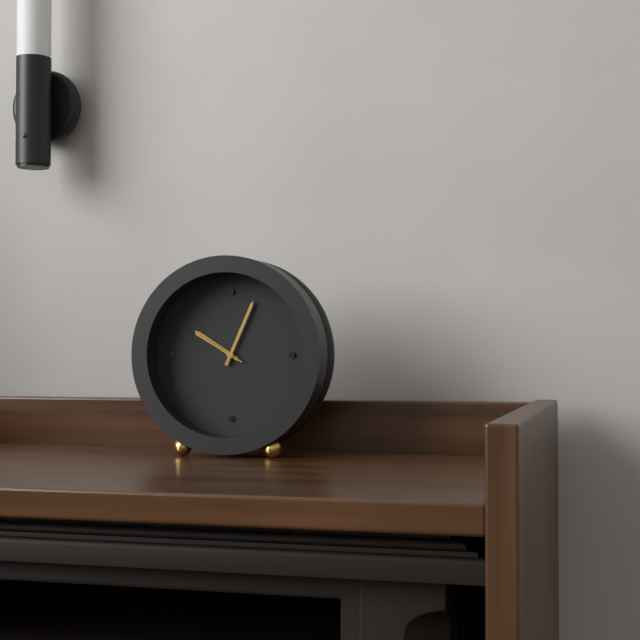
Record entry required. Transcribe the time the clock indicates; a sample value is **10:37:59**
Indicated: **10:04:50**
